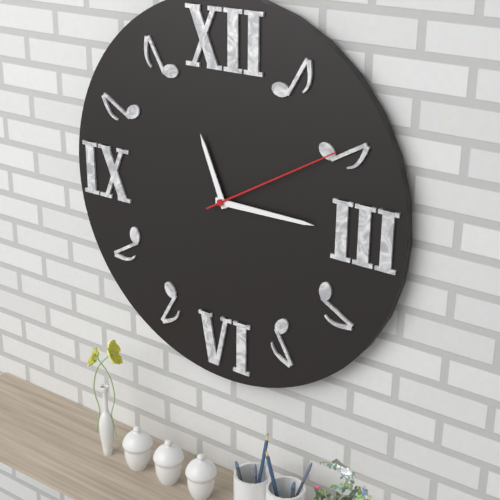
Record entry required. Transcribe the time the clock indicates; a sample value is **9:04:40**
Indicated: **11:15:10**
